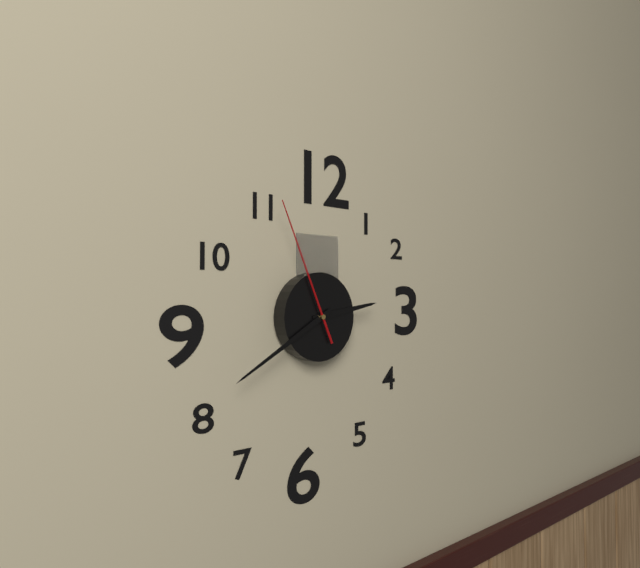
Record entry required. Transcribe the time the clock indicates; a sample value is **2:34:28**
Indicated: **2:40:56**
